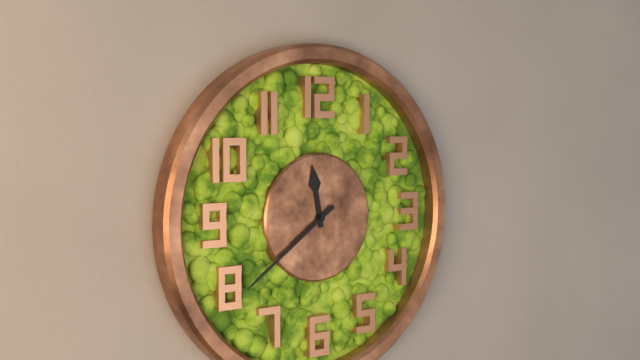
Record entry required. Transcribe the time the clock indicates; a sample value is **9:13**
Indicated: **11:39**
